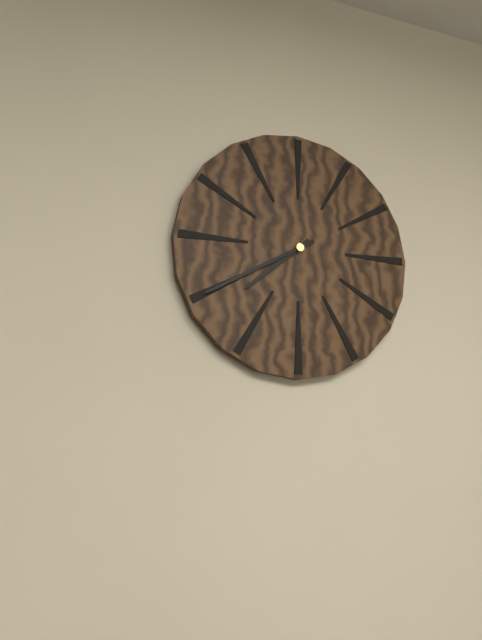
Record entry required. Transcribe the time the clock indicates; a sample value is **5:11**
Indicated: **7:40**
